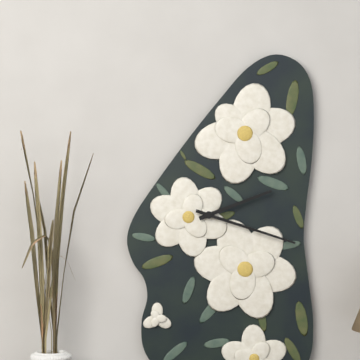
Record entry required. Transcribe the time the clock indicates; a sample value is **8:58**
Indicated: **2:18**
